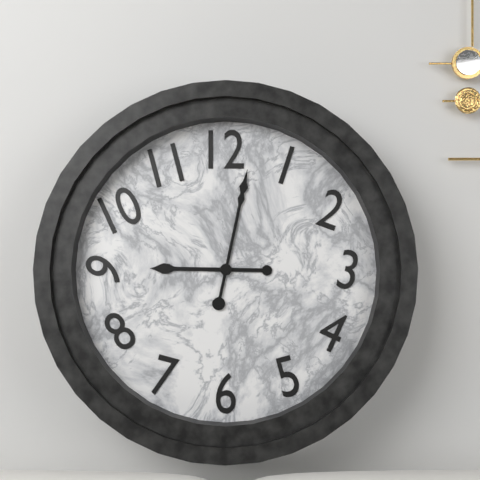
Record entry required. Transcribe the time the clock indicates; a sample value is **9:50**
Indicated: **9:02**
